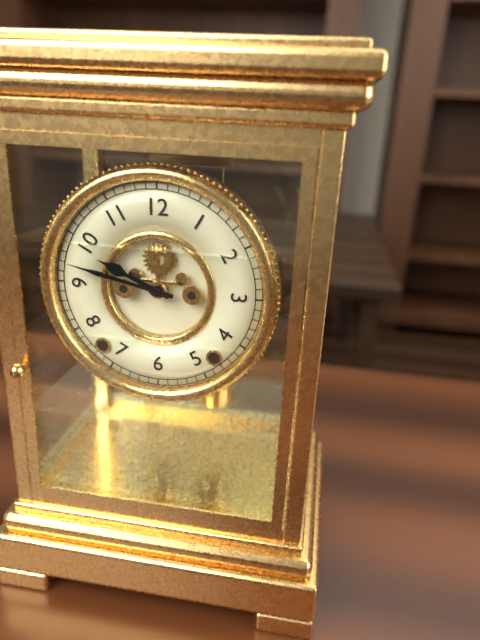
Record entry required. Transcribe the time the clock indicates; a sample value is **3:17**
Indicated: **9:47**
